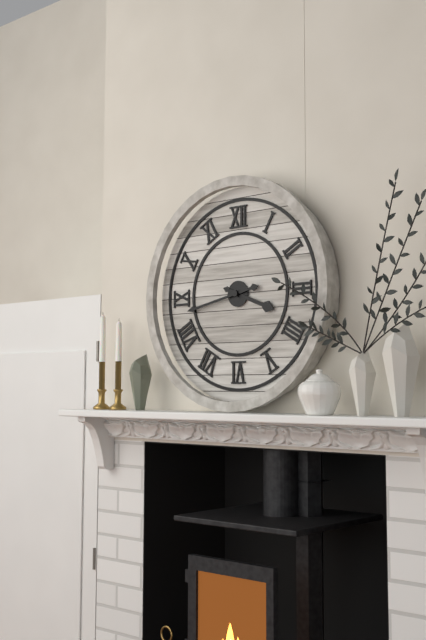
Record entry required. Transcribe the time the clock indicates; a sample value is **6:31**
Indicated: **3:43**
